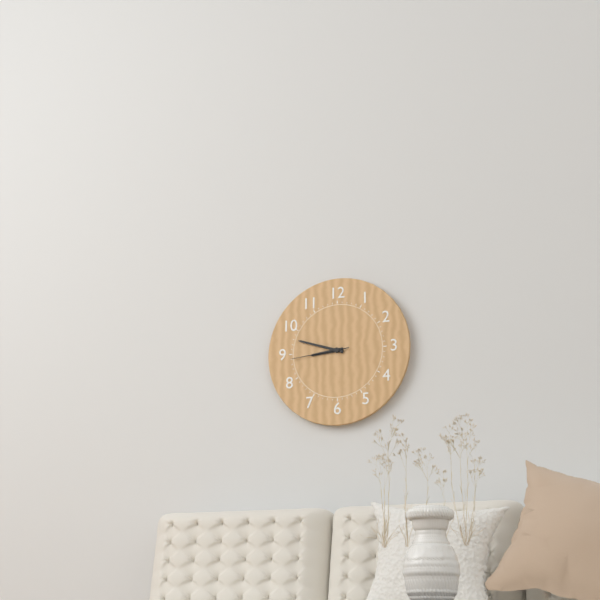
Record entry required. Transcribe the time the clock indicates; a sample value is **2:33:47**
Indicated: **8:48:44**
